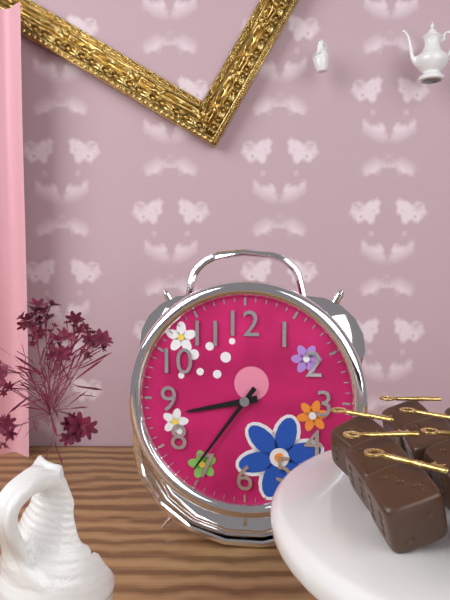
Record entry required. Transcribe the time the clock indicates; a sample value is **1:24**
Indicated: **8:36**
